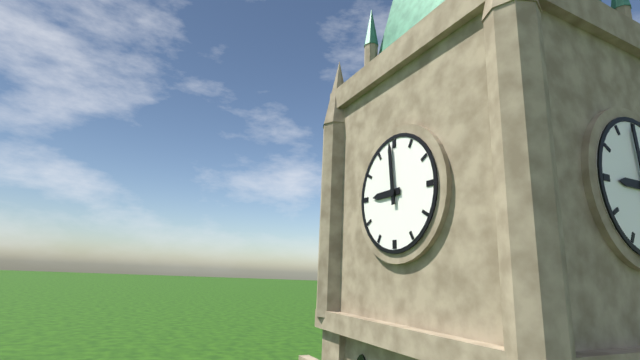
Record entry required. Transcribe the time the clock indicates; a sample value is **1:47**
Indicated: **8:59**
